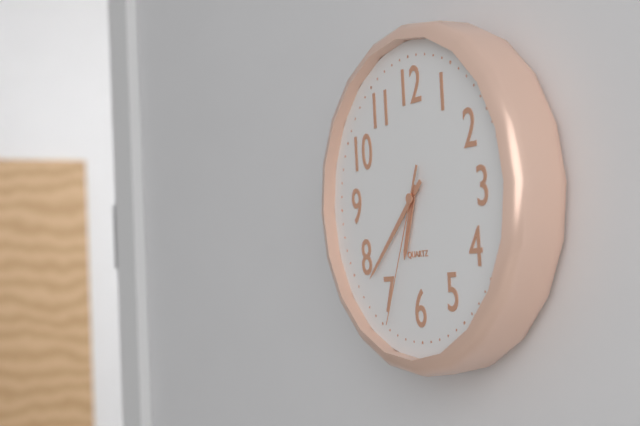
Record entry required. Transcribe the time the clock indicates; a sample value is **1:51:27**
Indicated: **6:38:34**
